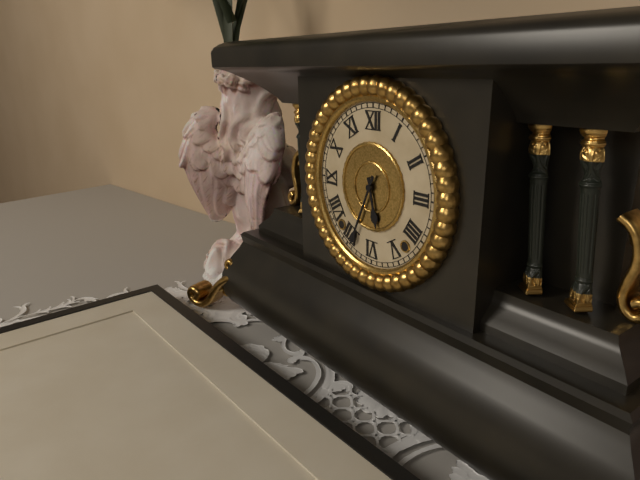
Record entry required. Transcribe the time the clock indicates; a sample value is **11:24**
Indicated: **5:34**
